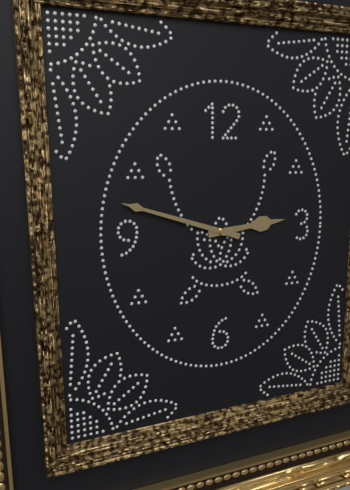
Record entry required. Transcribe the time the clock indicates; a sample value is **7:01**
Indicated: **2:48**
